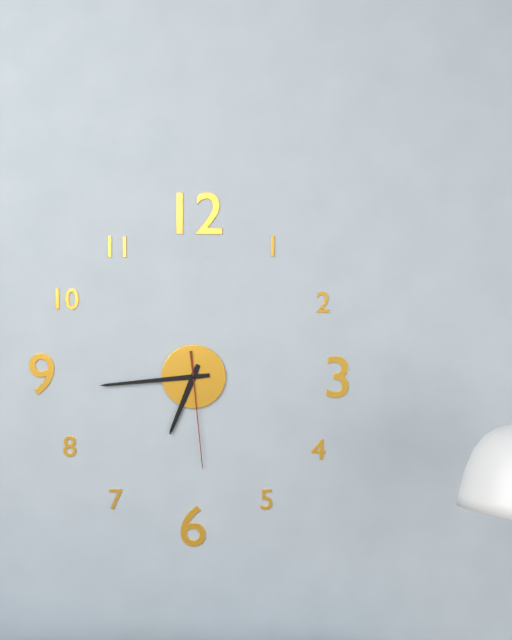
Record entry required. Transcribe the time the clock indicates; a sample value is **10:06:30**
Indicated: **6:44:29**
